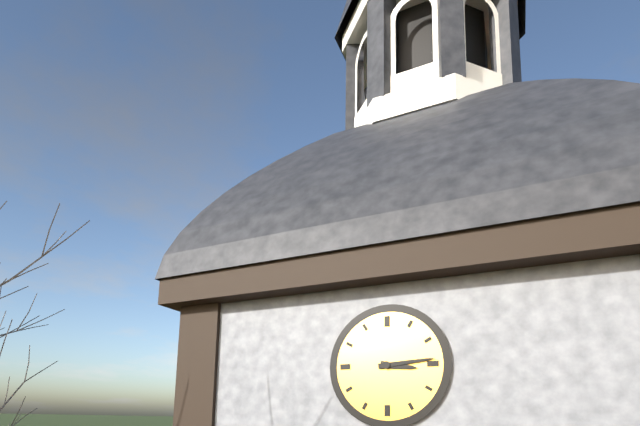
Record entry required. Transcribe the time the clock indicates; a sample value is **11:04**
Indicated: **3:14**
